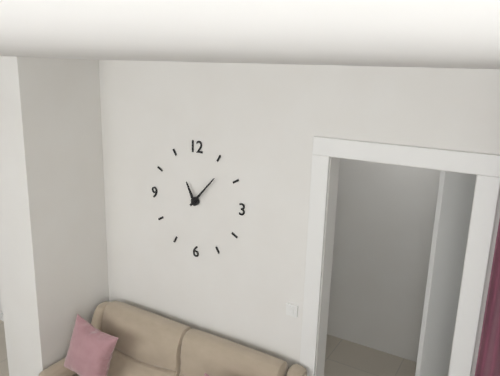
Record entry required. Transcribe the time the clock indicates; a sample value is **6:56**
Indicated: **11:07**
